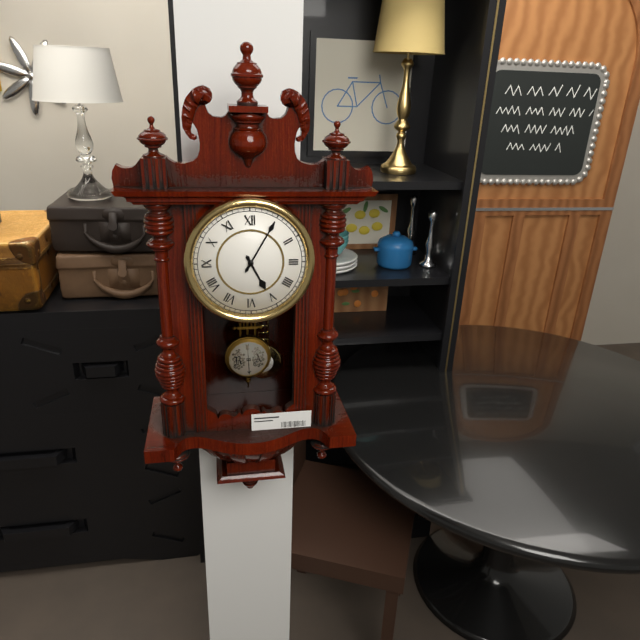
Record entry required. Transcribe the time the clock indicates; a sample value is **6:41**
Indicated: **5:05**
